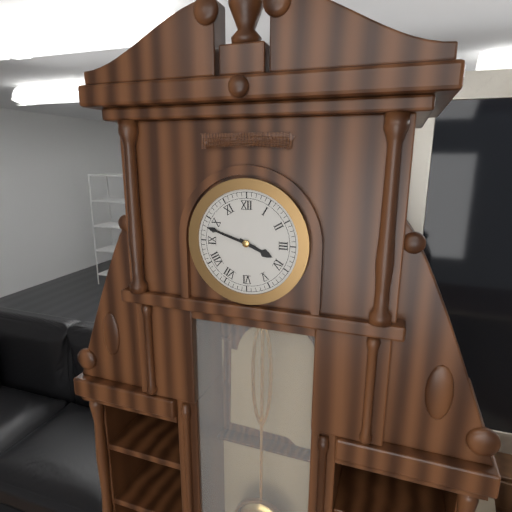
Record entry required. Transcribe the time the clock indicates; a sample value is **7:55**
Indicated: **3:48**
